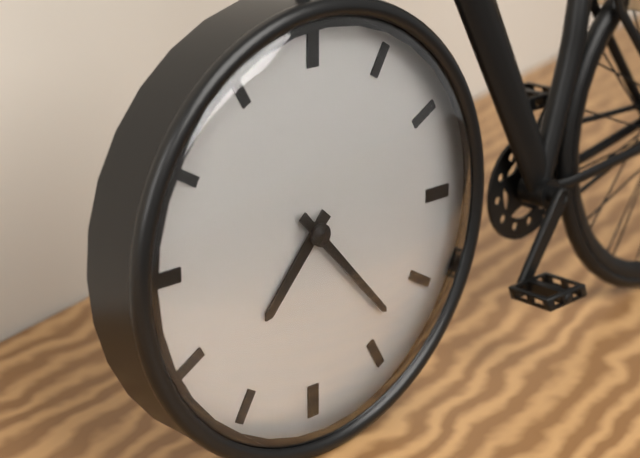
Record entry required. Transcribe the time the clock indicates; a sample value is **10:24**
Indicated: **7:23**
